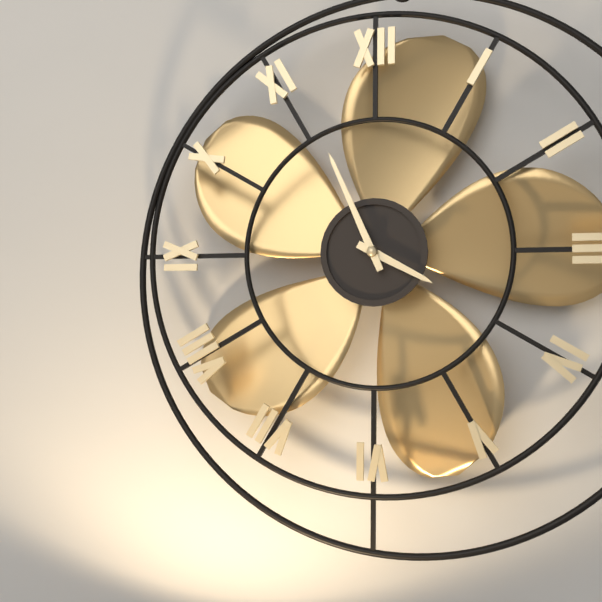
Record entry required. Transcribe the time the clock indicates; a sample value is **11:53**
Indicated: **3:56**
